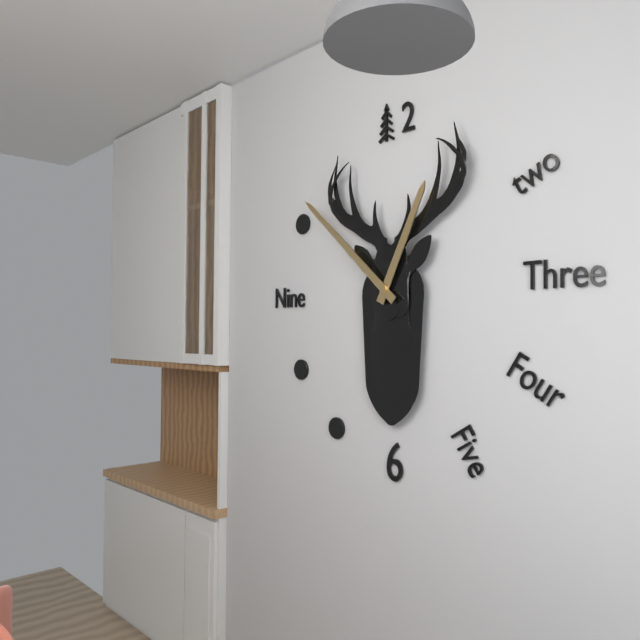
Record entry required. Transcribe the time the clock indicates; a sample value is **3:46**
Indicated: **12:52**
